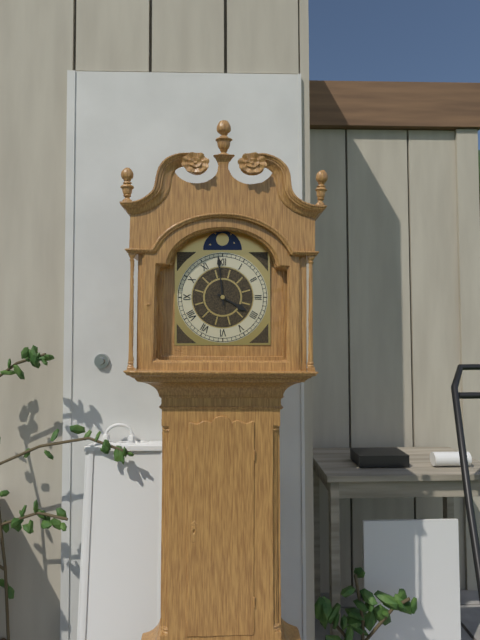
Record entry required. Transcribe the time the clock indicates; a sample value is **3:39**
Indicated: **3:59**
